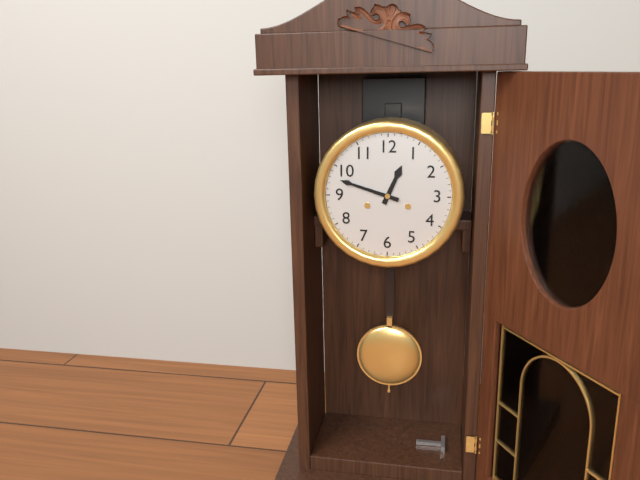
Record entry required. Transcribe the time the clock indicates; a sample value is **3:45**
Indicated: **12:48**
